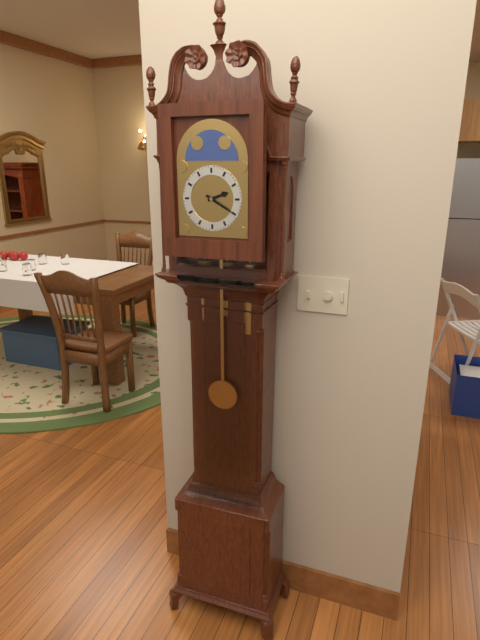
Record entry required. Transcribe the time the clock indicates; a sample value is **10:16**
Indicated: **2:20**
